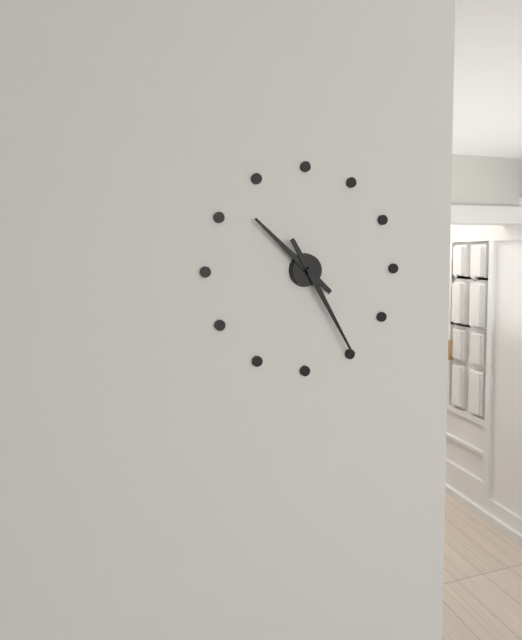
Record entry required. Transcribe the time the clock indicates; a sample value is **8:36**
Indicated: **10:25**
